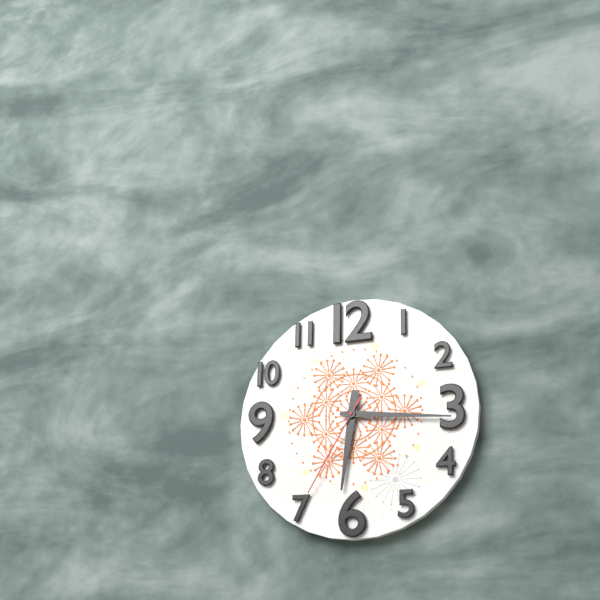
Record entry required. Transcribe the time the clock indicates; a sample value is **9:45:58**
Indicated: **6:16:35**
